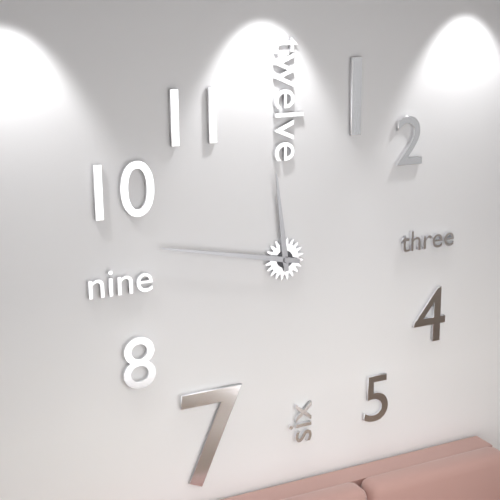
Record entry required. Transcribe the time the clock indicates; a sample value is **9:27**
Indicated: **11:47**
